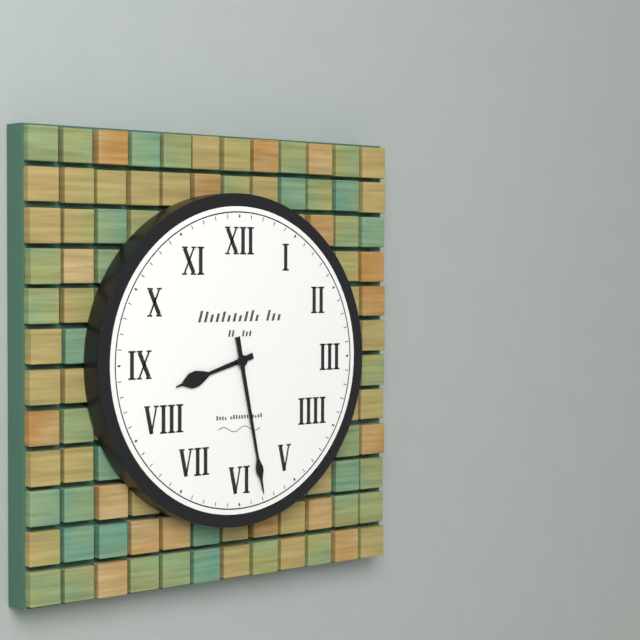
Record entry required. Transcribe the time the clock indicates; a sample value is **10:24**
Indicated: **8:28**
